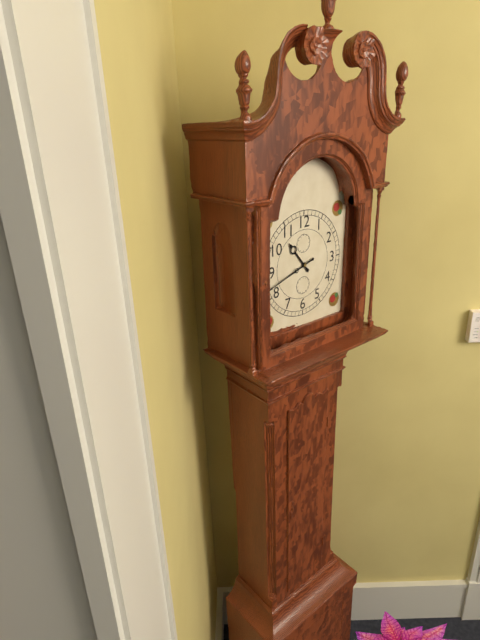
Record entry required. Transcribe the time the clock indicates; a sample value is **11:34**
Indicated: **10:42**
